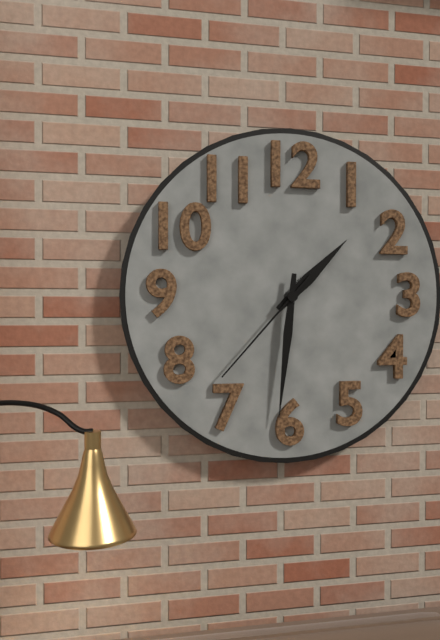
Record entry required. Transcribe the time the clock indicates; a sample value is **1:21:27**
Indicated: **1:31:37**
